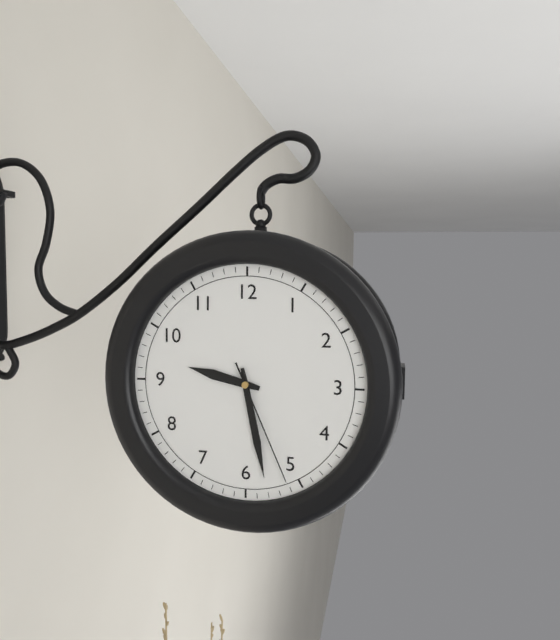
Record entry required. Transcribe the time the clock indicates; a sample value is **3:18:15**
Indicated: **9:28:26**
